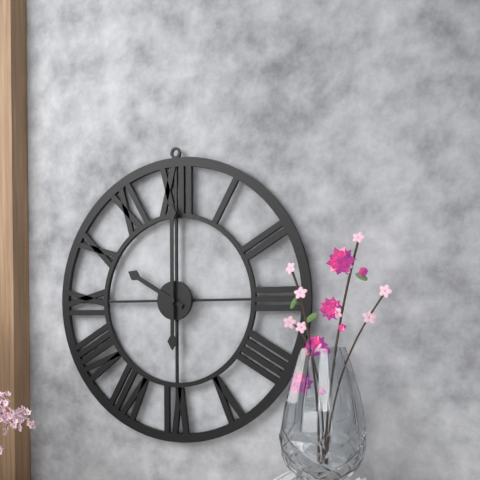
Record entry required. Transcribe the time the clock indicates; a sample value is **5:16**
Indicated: **10:00**
